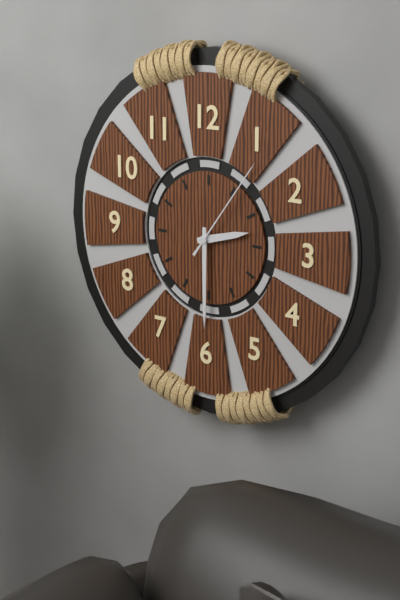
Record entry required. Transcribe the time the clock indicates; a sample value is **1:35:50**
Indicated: **2:30:06**
